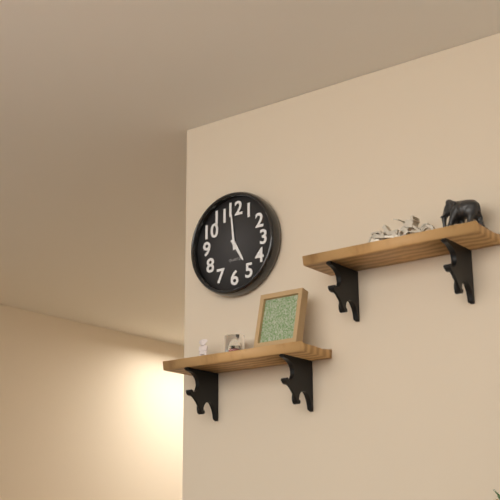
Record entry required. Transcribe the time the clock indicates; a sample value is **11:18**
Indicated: **4:59**
